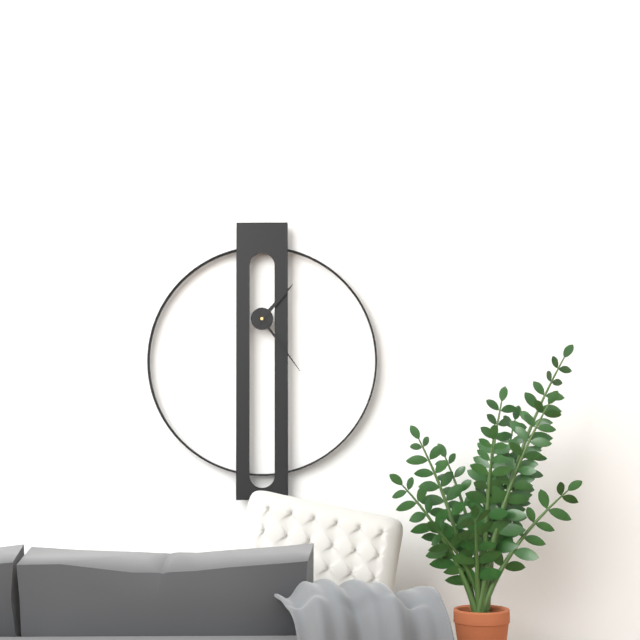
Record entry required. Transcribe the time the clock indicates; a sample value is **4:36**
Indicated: **1:24**
